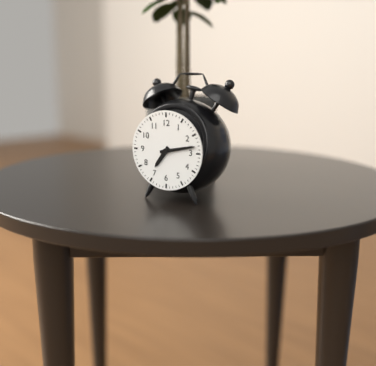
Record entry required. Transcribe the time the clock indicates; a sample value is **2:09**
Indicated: **7:13**
